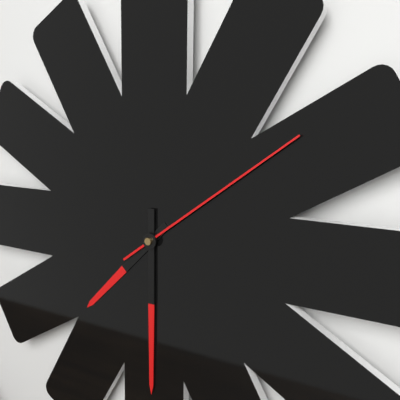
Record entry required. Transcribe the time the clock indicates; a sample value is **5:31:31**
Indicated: **7:30:09**
